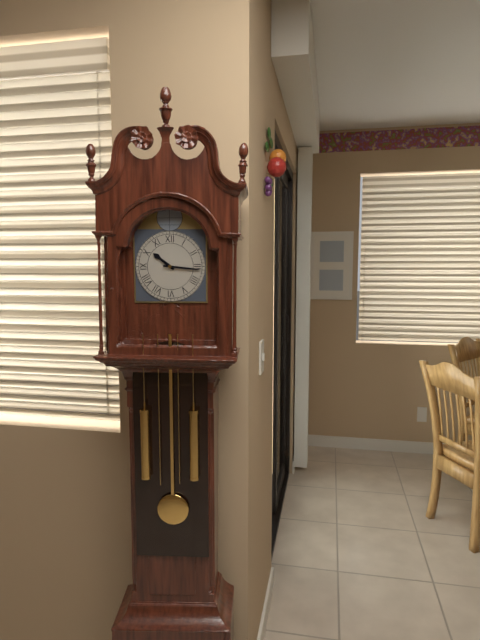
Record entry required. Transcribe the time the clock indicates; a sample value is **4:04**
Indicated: **10:16**
